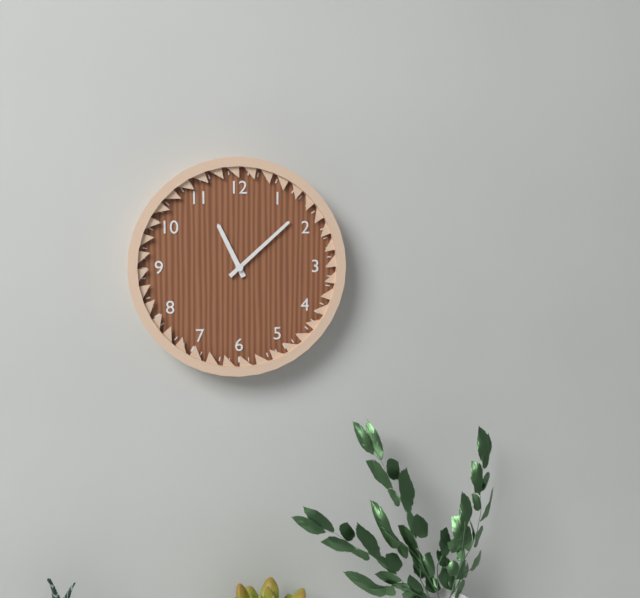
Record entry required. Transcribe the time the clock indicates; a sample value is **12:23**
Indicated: **11:08**
